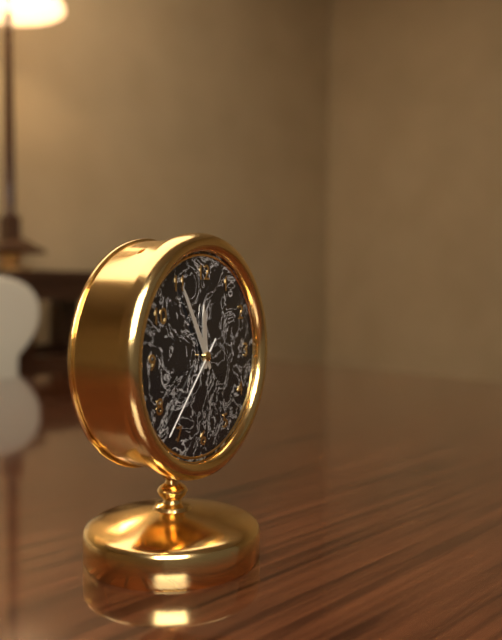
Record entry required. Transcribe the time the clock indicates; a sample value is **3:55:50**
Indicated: **11:55:37**
